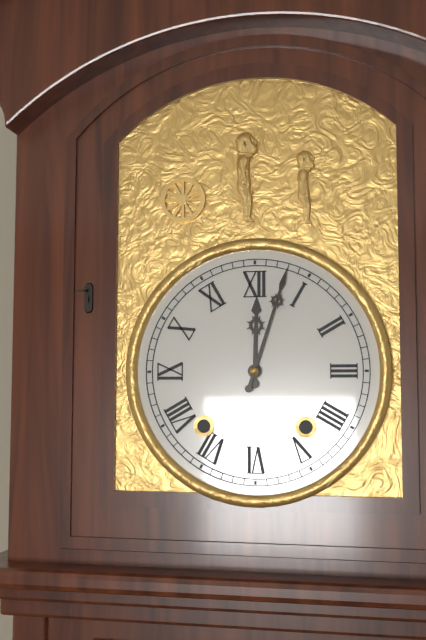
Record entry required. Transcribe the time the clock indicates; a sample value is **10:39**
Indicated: **12:03**
